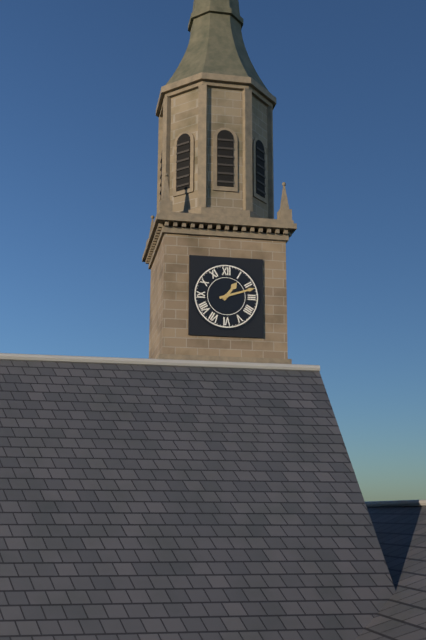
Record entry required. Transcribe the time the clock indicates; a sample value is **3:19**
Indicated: **1:12**
